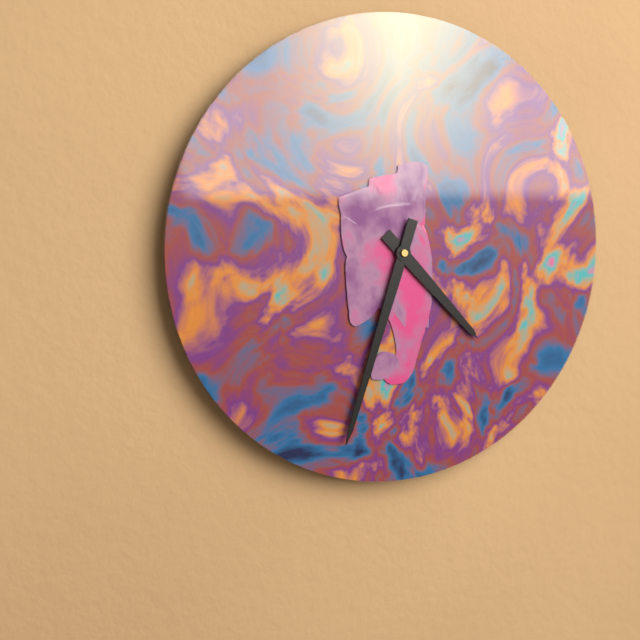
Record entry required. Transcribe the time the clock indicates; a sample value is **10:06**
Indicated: **4:33**
